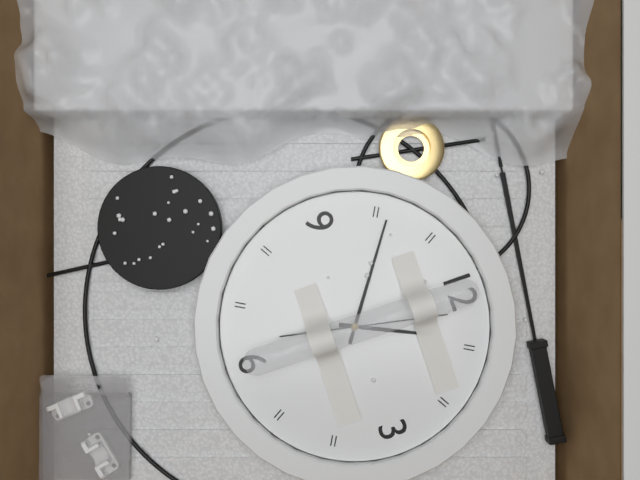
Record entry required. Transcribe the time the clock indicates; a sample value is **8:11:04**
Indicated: **12:51:02**
